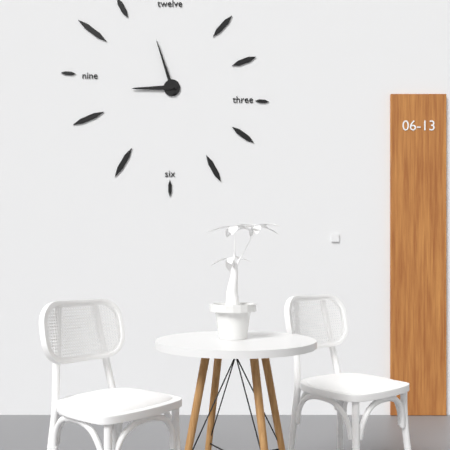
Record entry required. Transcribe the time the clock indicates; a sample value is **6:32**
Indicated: **8:57**
